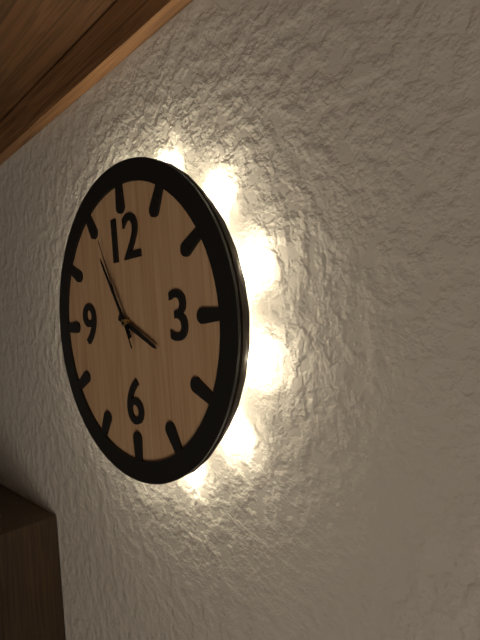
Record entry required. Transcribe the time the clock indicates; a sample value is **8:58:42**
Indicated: **3:55:56**
